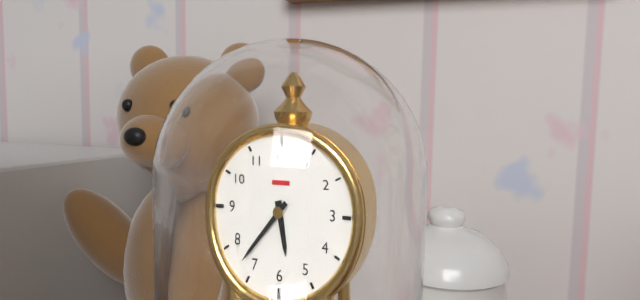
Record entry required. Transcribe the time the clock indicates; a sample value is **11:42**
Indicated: **5:37**
